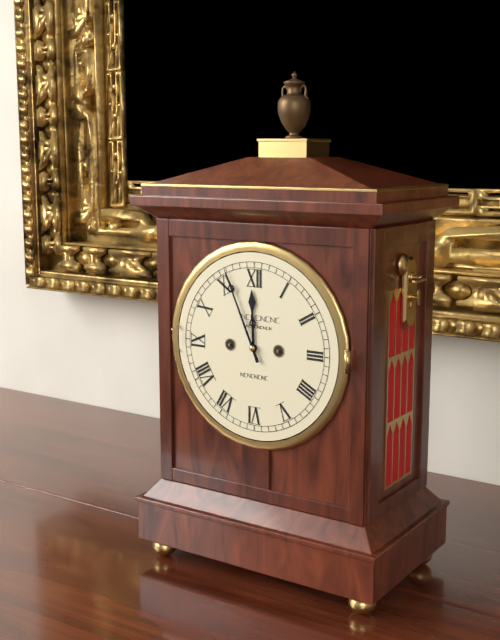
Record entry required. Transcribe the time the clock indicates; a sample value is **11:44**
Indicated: **11:56**
